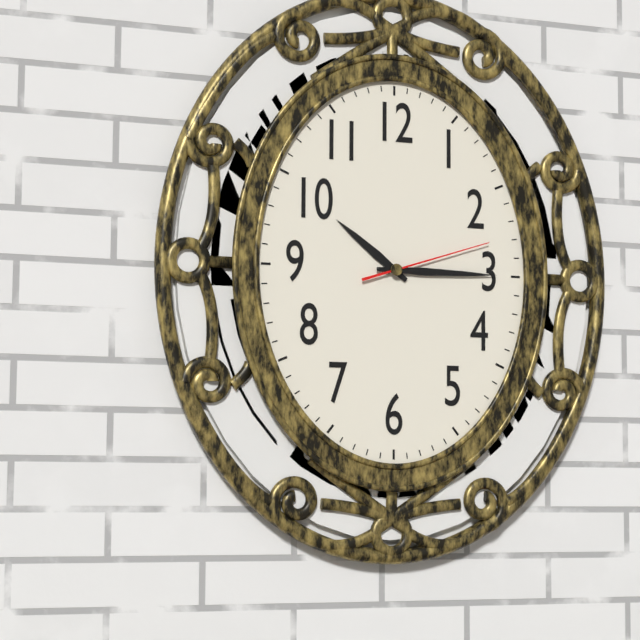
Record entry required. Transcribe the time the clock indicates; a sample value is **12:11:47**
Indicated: **10:15:12**
